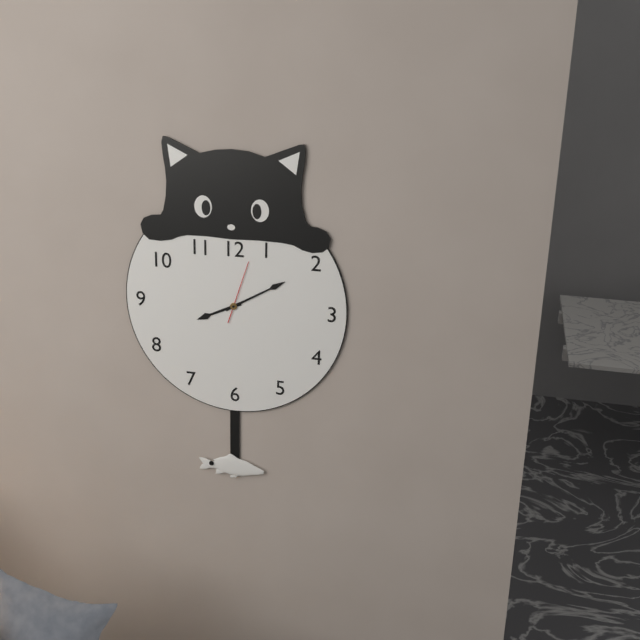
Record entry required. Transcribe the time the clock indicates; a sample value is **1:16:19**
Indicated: **8:10:03**
